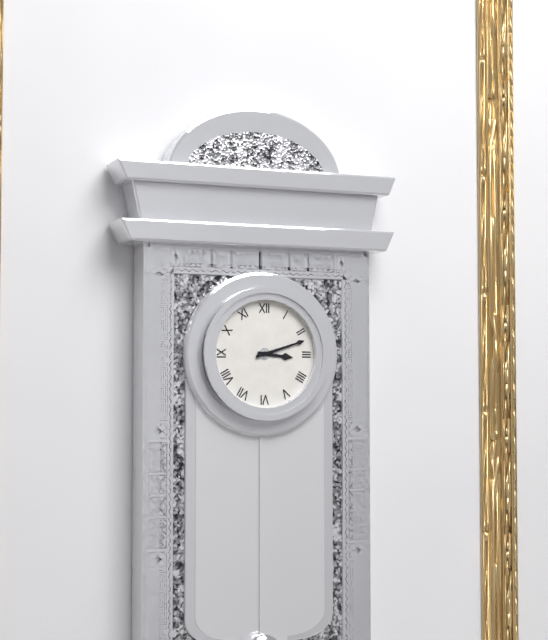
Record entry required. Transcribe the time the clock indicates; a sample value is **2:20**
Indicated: **3:12**
